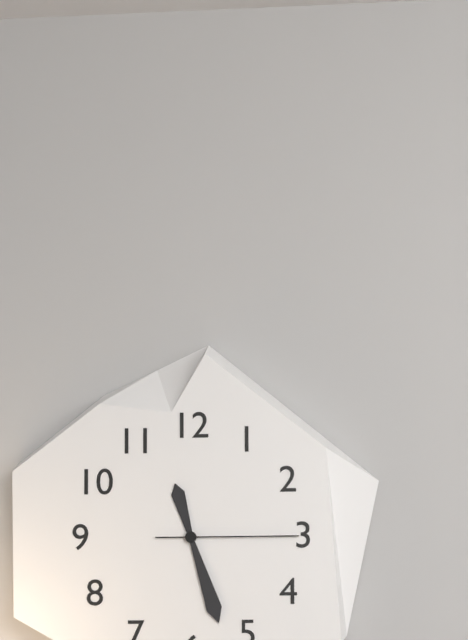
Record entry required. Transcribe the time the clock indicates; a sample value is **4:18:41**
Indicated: **11:27:15**
